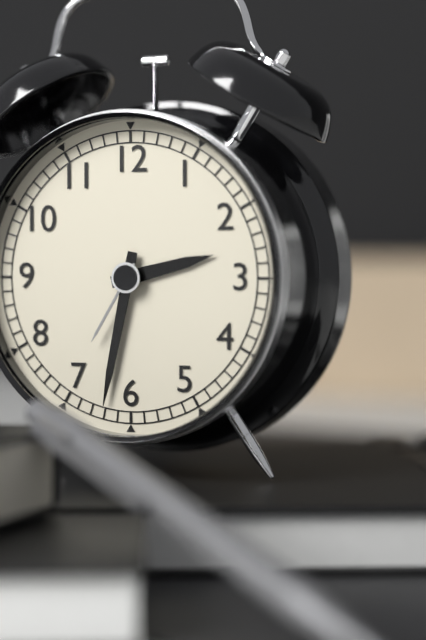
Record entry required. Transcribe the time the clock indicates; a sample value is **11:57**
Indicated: **2:32**
